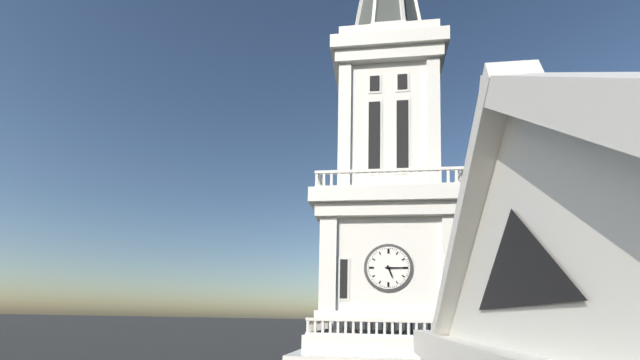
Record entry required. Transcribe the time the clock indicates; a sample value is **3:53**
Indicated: **5:15**
